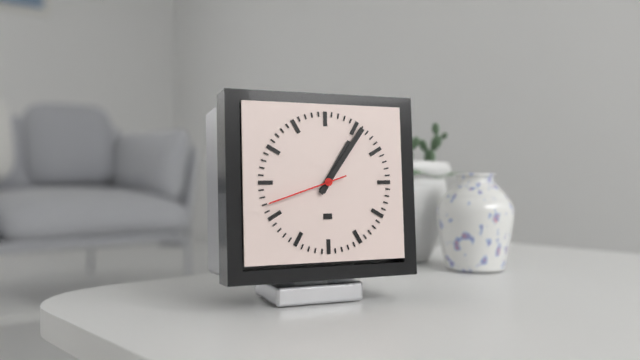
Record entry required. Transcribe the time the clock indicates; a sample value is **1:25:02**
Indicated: **1:06:42**
